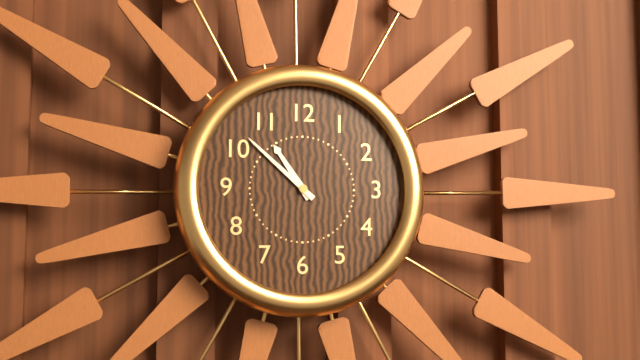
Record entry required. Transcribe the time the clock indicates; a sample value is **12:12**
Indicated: **10:52**
